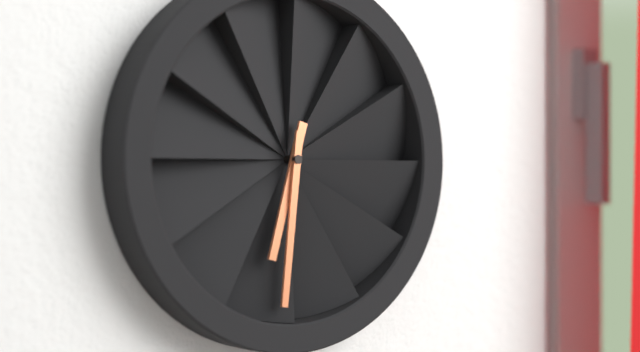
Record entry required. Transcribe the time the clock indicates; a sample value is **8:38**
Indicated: **6:31**
